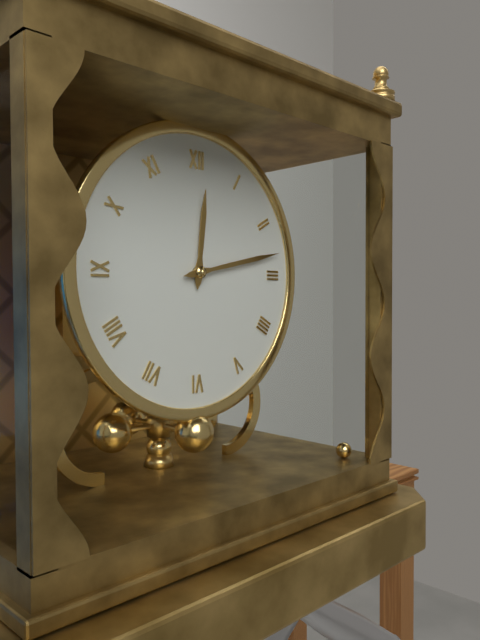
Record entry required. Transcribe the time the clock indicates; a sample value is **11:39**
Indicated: **12:13**
